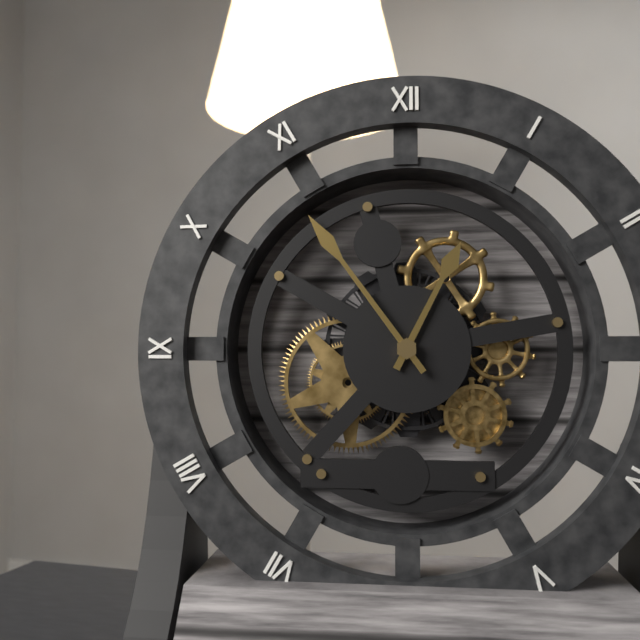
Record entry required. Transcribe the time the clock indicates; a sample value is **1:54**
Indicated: **12:54**
